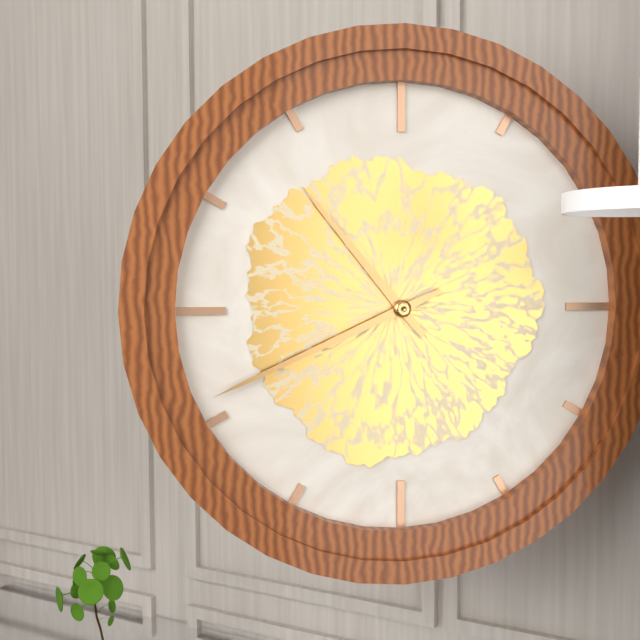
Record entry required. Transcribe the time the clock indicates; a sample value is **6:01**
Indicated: **10:41**
